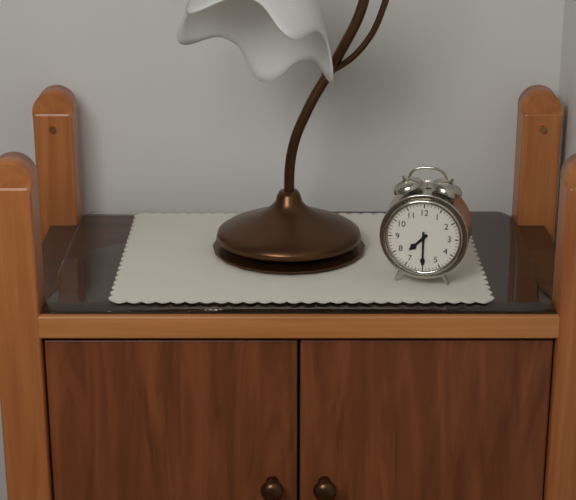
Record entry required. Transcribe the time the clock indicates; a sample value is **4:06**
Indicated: **7:30**
